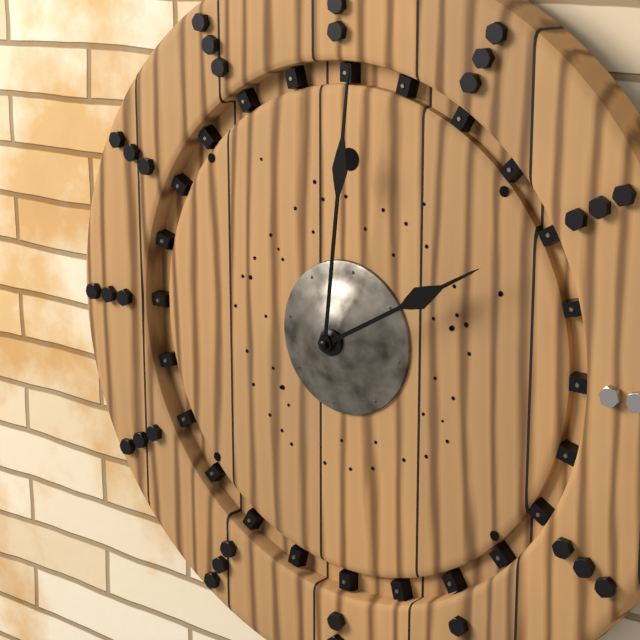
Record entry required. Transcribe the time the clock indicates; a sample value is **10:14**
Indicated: **2:01**
